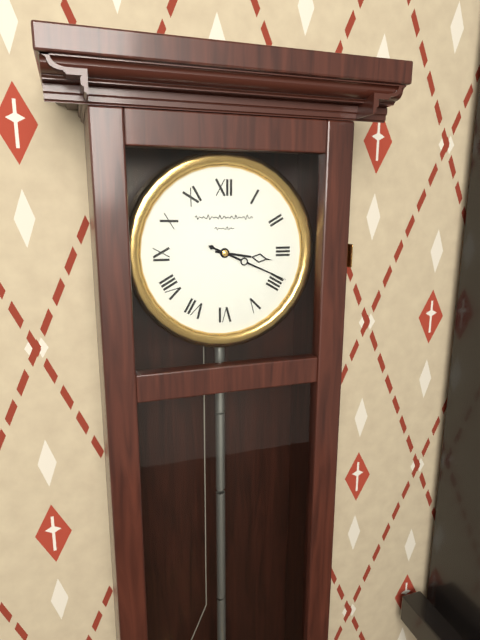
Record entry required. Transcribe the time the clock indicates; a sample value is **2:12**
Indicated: **3:19**
